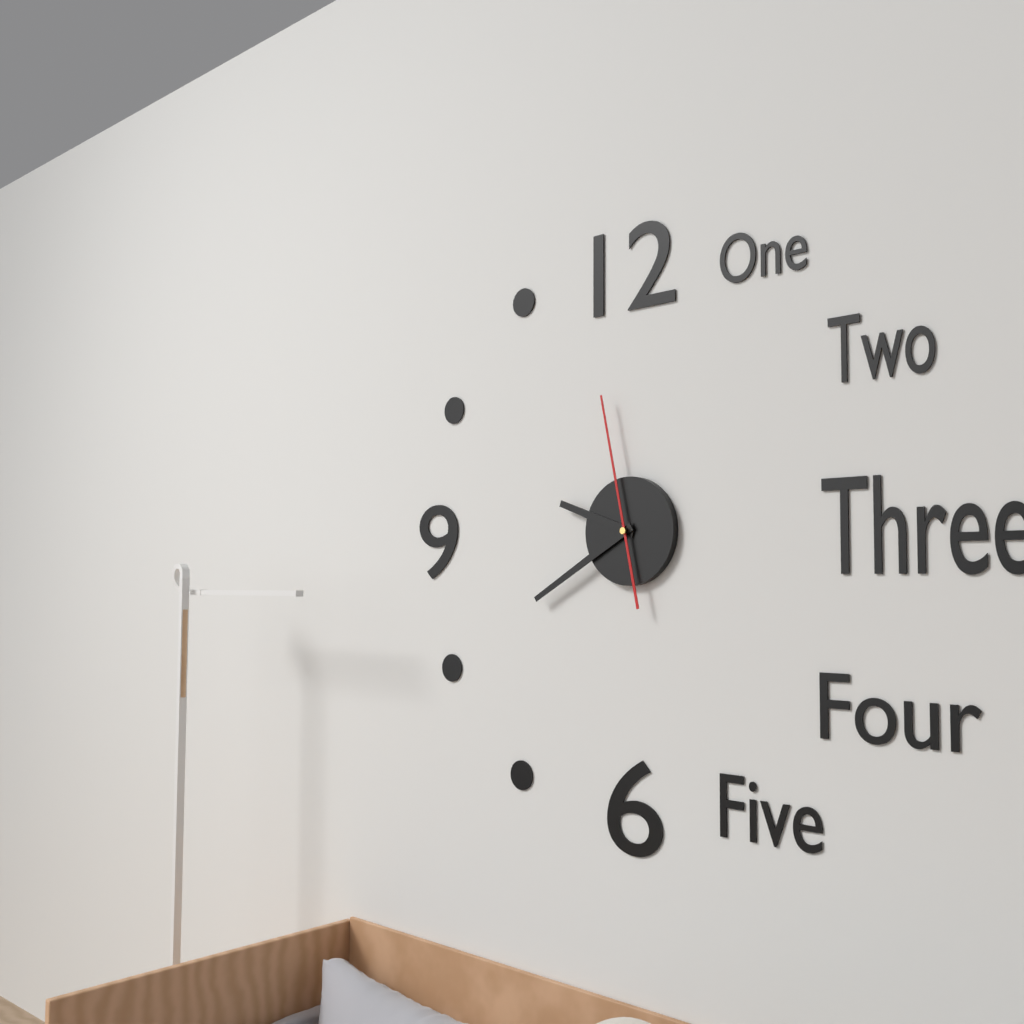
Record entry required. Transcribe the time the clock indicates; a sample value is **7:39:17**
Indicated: **9:40:58**
